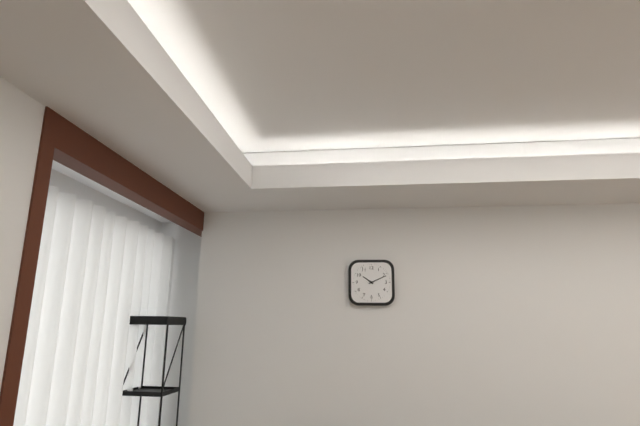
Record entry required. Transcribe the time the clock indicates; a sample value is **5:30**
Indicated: **10:11**
